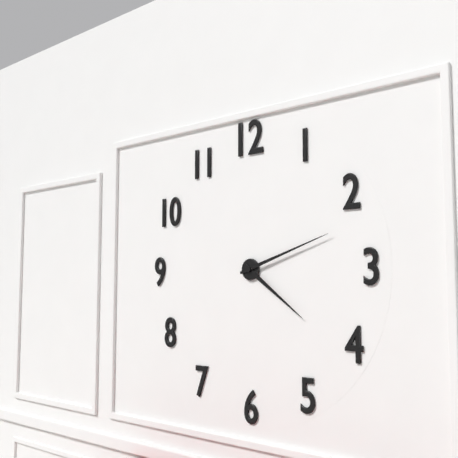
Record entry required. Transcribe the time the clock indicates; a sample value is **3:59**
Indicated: **4:12**
